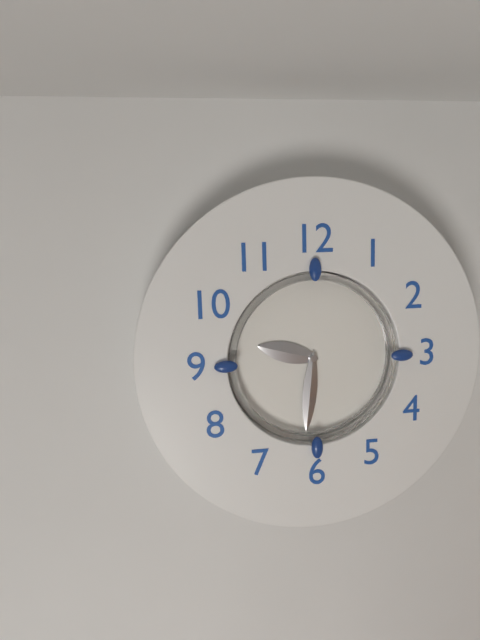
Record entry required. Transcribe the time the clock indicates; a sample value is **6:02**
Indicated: **9:31**
